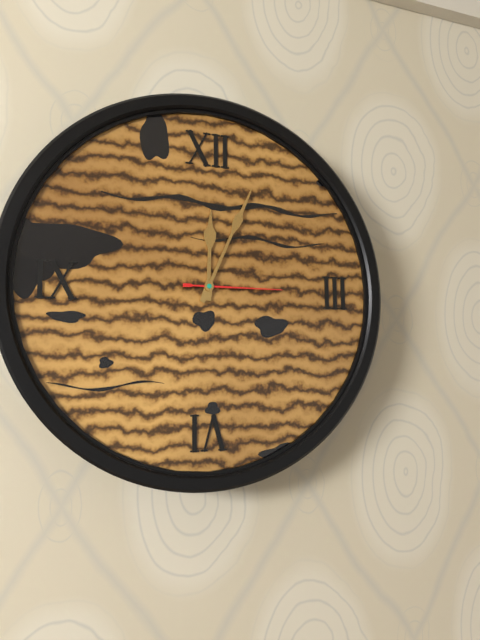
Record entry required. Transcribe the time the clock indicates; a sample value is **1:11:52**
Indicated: **12:04:15**
